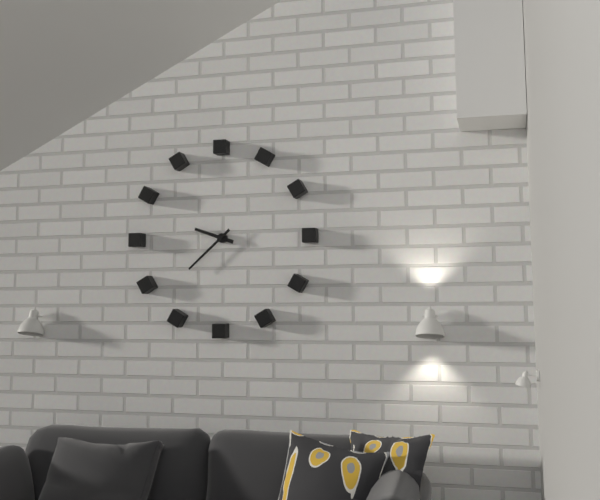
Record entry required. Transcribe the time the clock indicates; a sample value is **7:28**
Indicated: **9:38**
